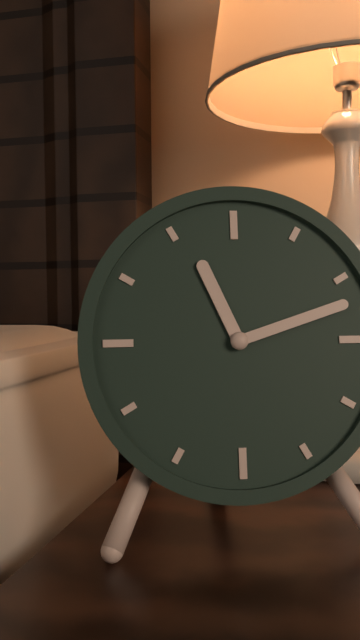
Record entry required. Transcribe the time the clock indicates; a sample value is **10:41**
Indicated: **11:12**
